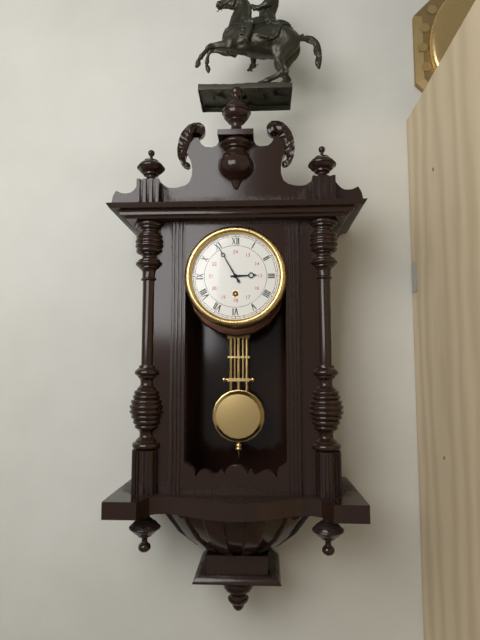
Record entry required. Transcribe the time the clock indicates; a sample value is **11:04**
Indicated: **2:55**
